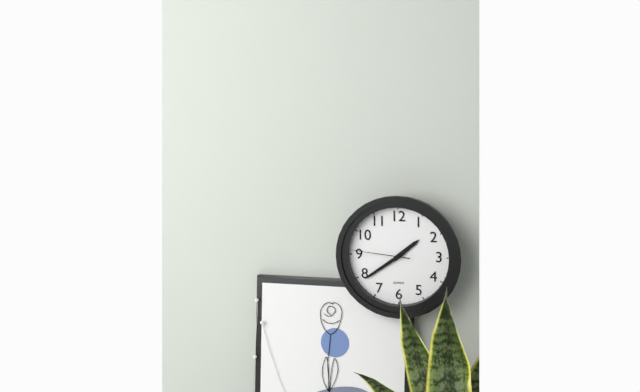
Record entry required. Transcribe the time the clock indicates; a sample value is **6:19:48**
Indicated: **1:39:46**
